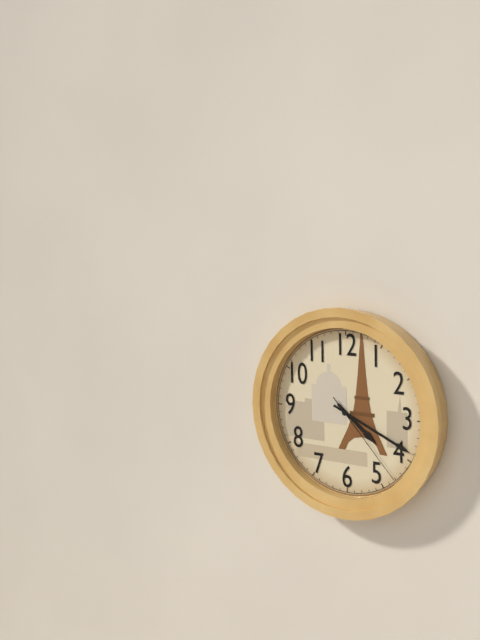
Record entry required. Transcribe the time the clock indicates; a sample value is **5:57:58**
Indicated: **4:19:23**
